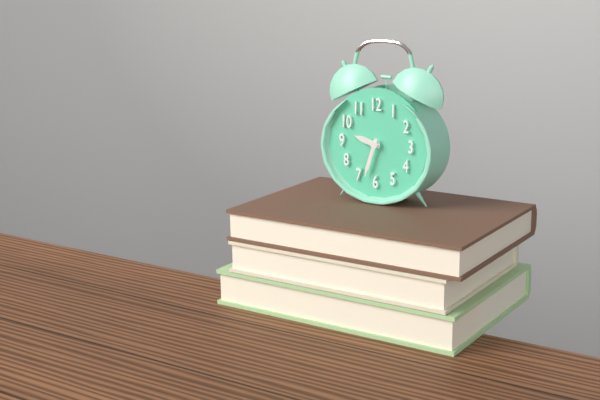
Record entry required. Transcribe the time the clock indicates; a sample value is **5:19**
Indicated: **9:33**
